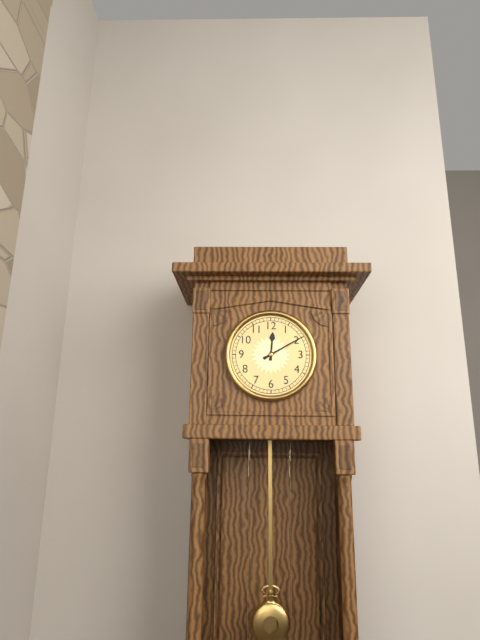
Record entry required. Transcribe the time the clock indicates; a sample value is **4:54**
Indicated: **12:10**
